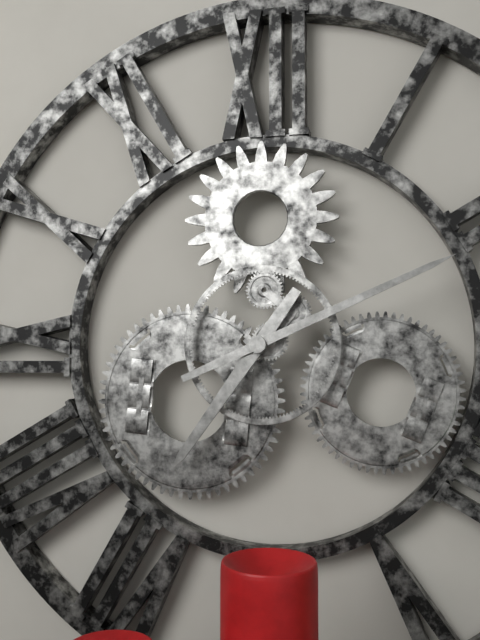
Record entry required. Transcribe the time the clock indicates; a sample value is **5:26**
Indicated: **7:11**
